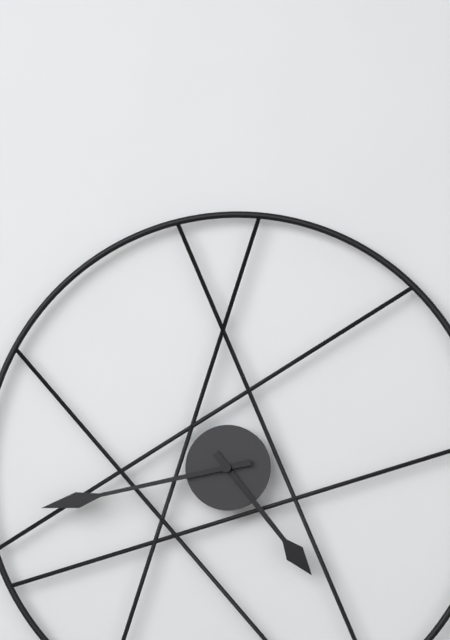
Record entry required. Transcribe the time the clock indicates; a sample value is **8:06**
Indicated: **4:43**
